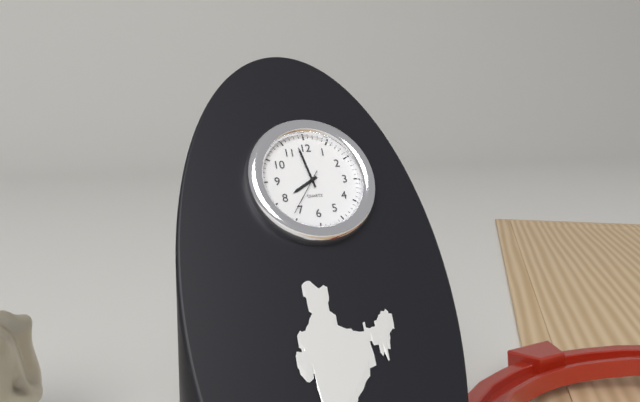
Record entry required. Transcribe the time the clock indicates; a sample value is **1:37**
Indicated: **7:58**
